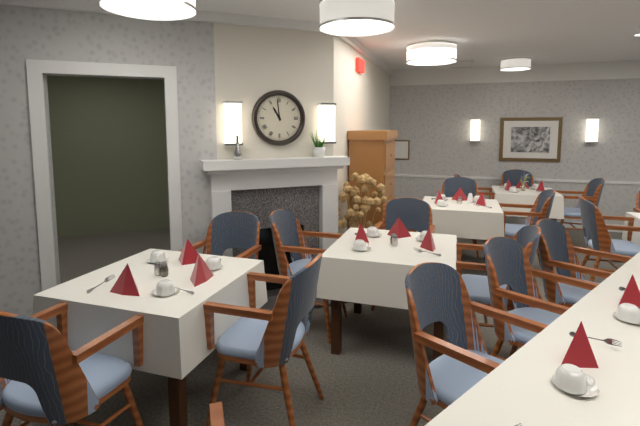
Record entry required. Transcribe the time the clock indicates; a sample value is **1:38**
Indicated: **10:59**
